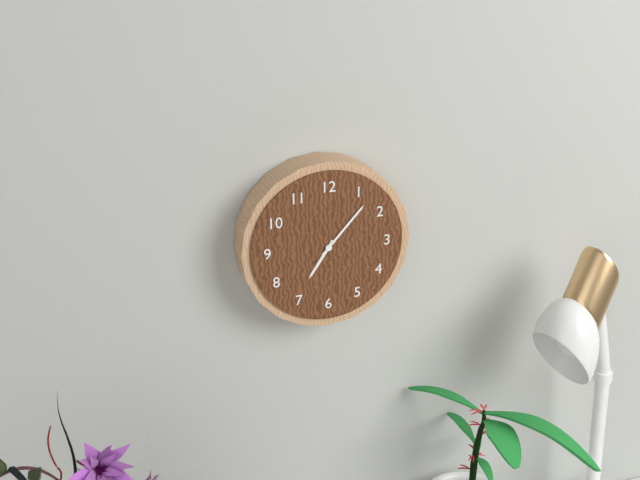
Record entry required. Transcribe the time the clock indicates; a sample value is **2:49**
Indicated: **7:07**
